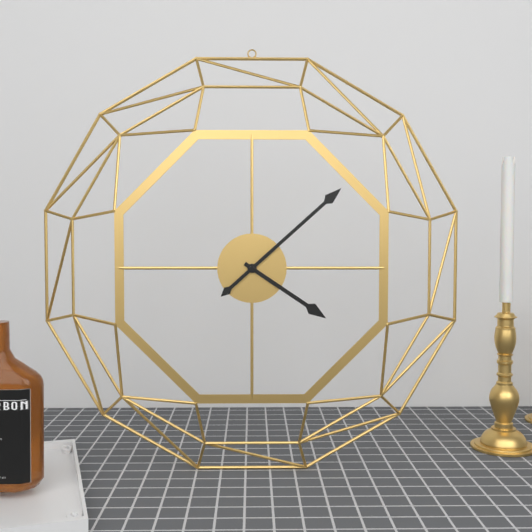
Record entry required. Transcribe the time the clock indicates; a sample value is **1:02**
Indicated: **4:08**
